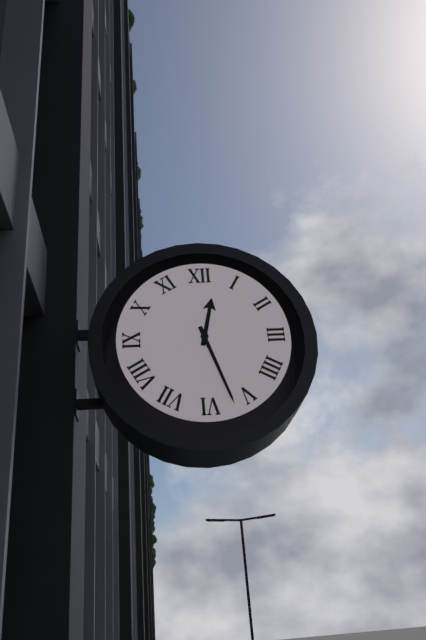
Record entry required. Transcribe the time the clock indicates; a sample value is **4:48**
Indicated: **12:27**
